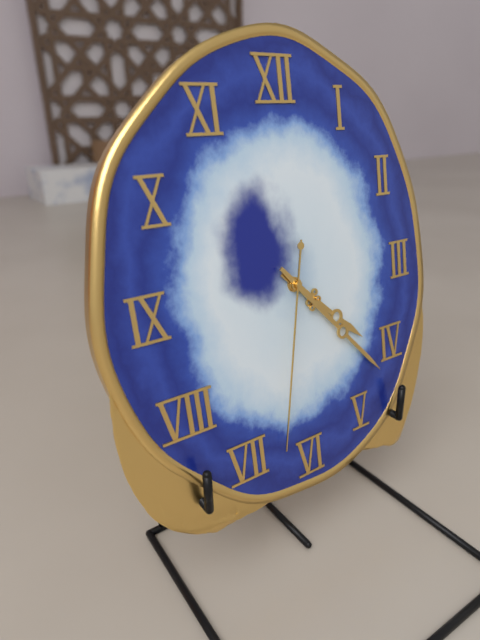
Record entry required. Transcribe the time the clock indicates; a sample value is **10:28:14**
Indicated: **4:23:32**
